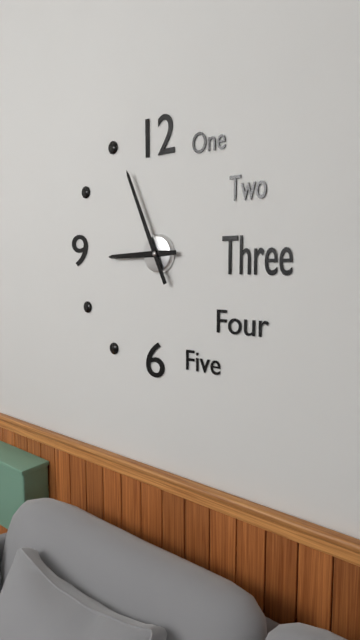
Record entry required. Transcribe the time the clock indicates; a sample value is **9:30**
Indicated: **8:56**
